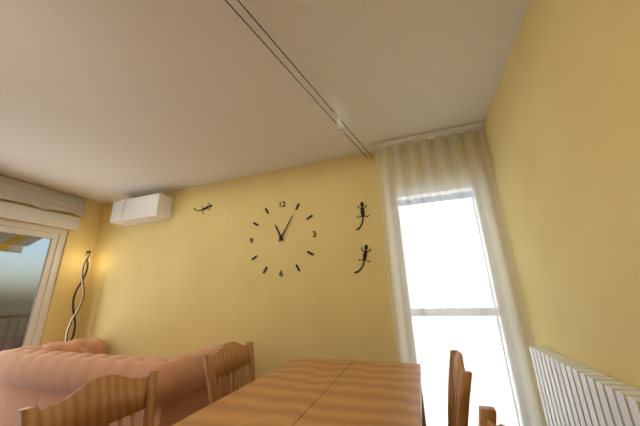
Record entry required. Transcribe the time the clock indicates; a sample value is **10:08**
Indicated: **11:05**
